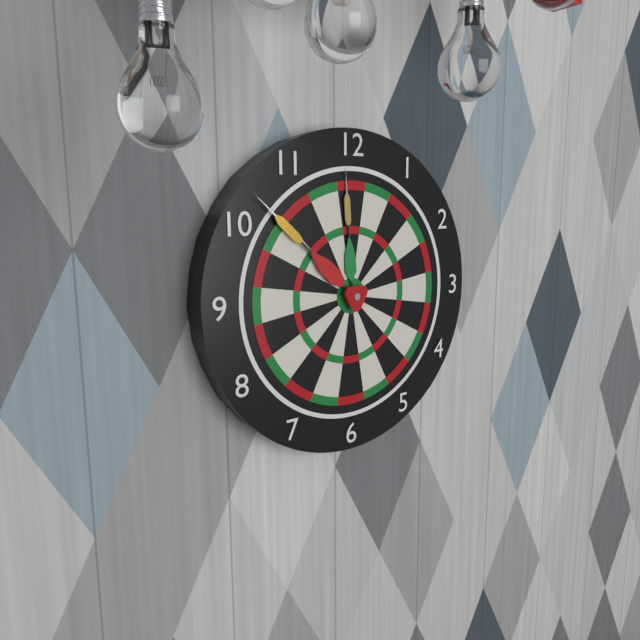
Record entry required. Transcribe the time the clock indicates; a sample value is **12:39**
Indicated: **11:52**
